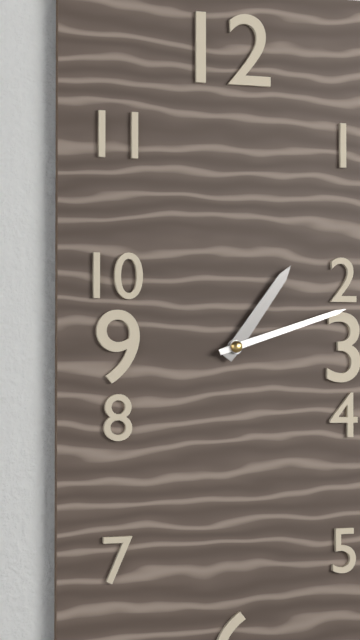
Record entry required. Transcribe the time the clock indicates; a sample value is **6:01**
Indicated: **1:12**
